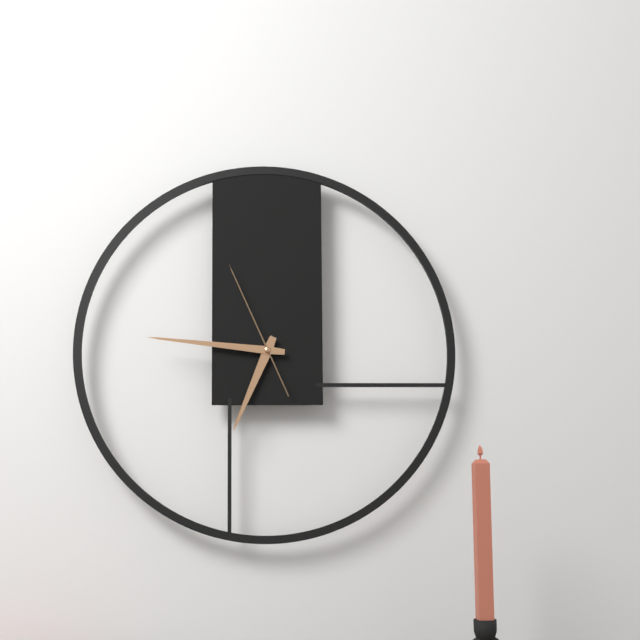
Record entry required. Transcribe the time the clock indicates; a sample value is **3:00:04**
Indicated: **6:46:56**
